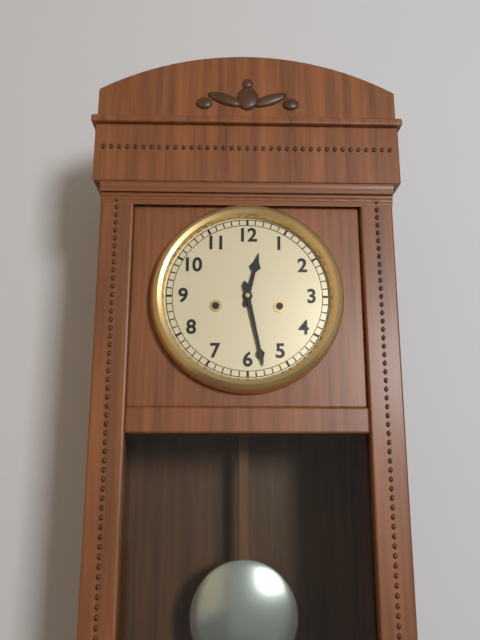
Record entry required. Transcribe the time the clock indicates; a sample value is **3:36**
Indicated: **12:28**
